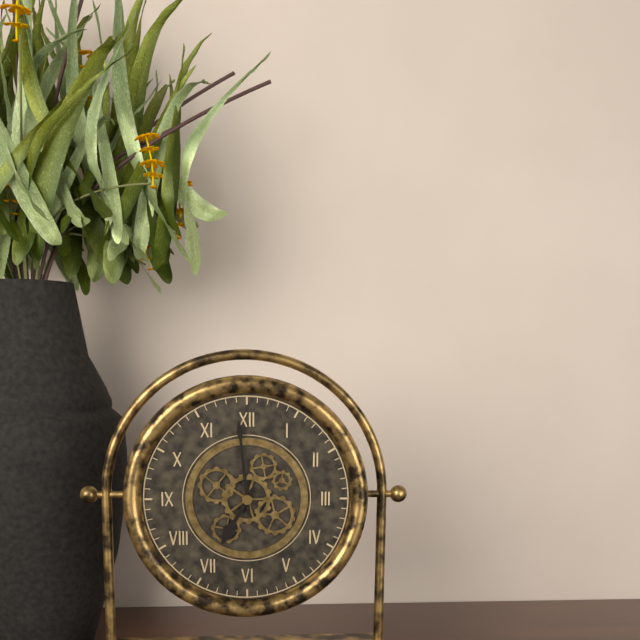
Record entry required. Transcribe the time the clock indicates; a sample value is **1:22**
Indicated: **6:59**
